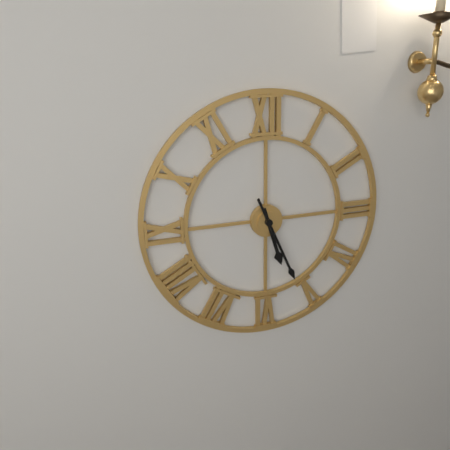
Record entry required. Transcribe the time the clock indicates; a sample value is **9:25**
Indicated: **5:26**
